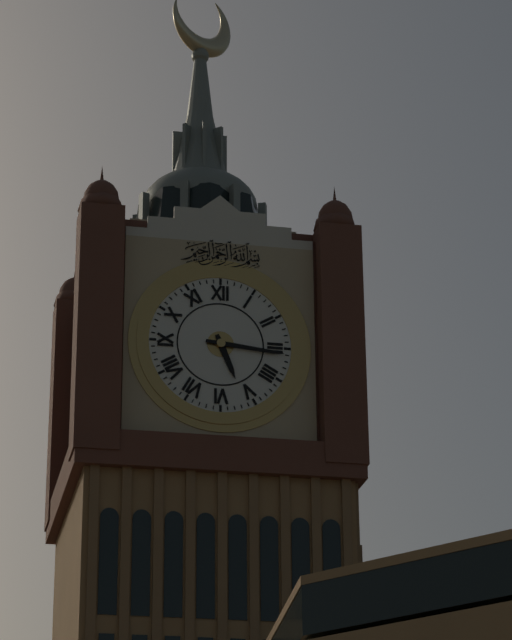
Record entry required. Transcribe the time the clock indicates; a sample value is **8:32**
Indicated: **5:16**
